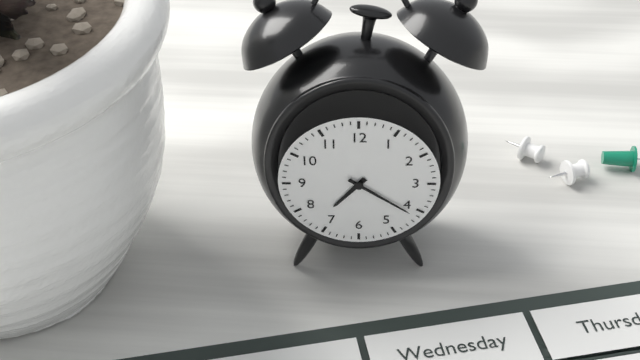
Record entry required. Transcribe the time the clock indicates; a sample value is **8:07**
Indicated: **7:21**
